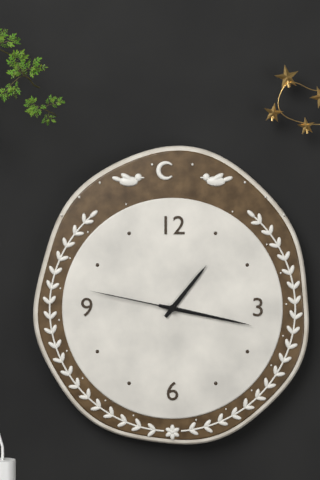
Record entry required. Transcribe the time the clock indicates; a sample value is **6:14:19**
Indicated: **1:17:47**
